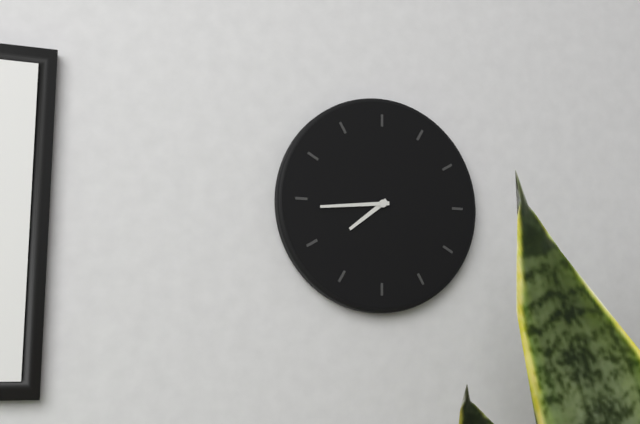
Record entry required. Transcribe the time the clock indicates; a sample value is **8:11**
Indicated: **7:44**
